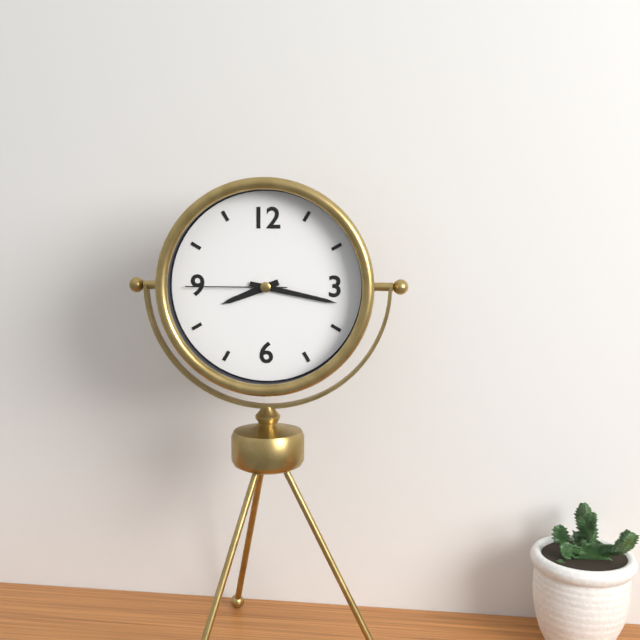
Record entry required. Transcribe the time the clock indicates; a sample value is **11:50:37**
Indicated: **8:17:45**
